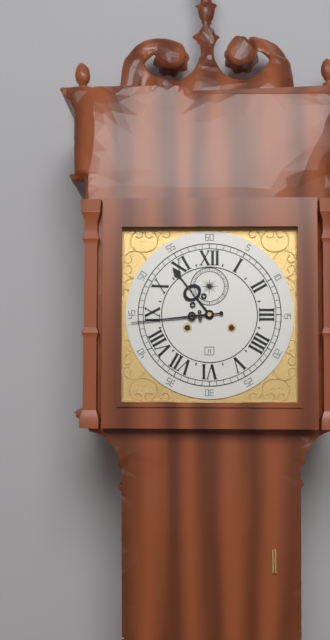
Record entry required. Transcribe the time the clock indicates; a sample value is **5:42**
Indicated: **10:44**
